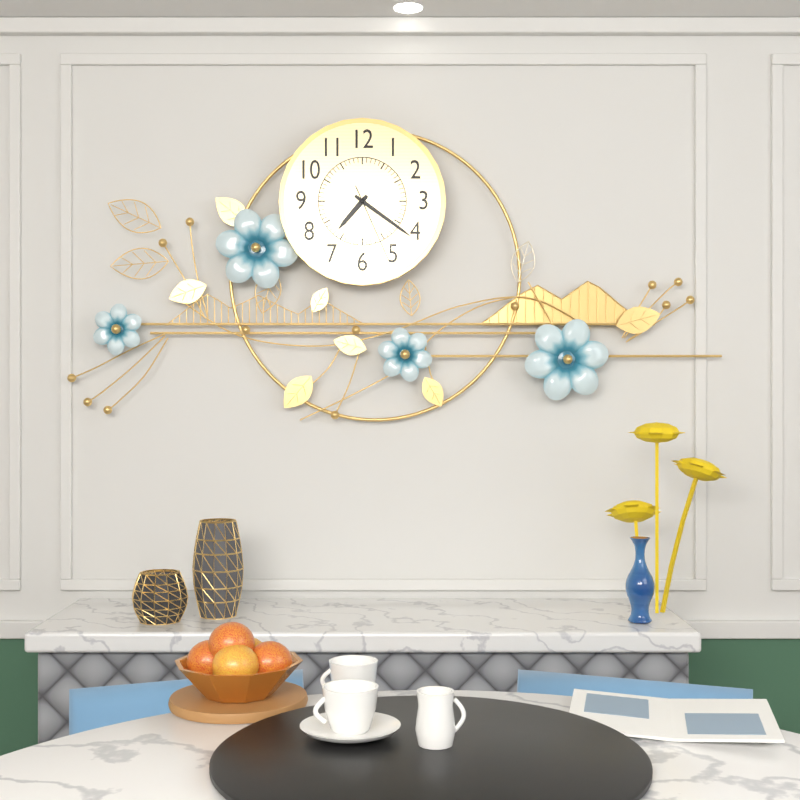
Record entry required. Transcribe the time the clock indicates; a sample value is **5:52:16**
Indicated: **7:21:26**
